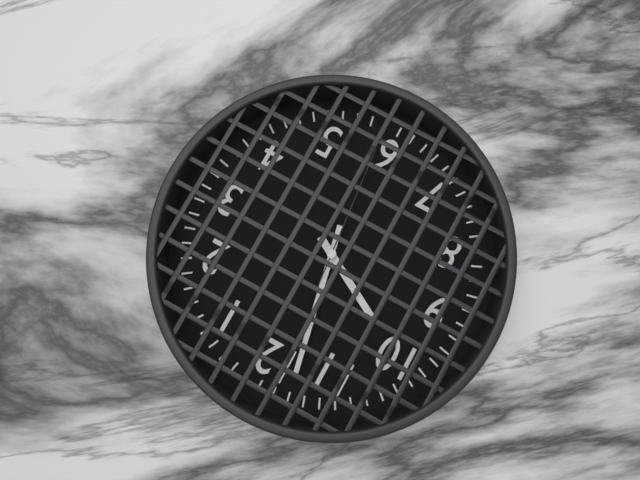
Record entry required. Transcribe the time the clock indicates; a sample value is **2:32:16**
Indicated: **9:58:29**
